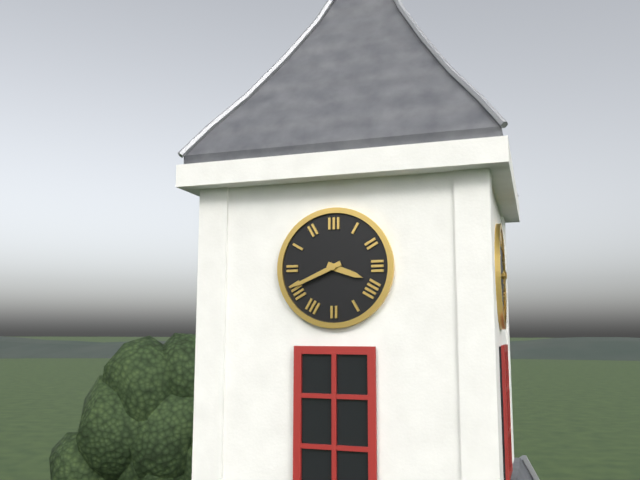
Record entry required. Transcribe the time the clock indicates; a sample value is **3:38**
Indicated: **3:41**
